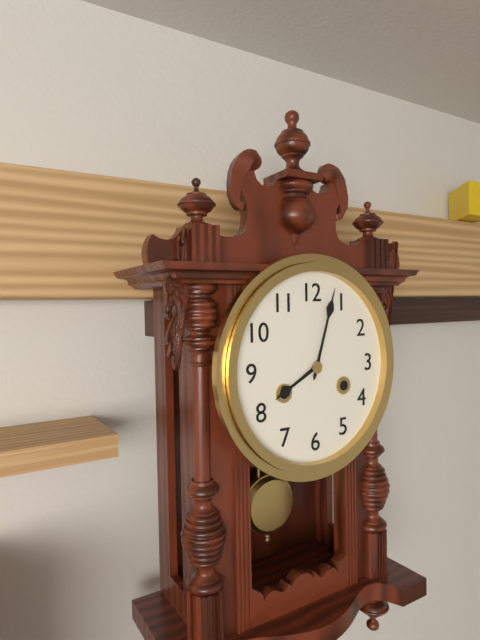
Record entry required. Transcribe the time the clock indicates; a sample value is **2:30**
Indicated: **8:03**
